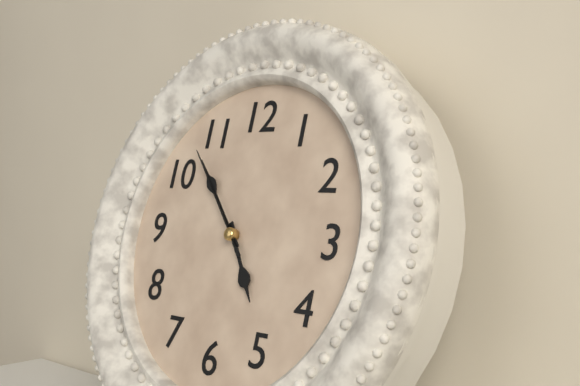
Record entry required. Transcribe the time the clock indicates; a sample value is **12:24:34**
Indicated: **4:53:53**
